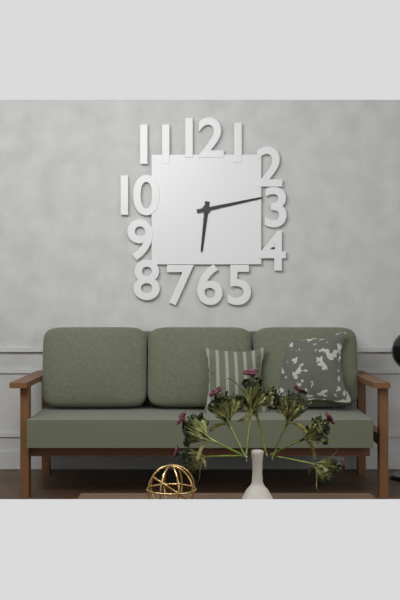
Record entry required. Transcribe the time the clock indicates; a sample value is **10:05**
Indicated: **6:13**
